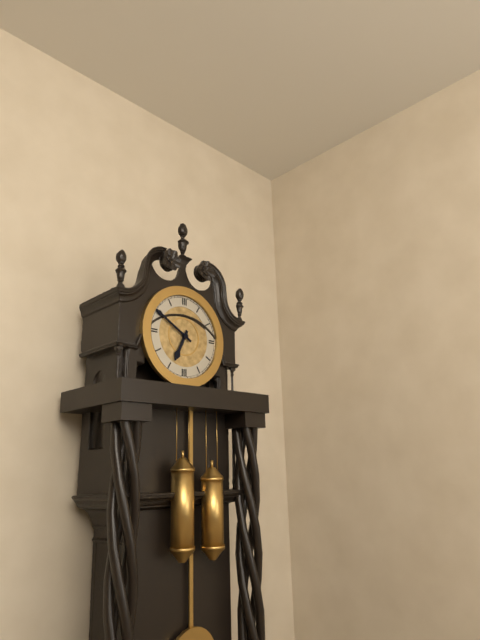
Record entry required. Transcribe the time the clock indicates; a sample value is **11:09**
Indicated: **6:50**
